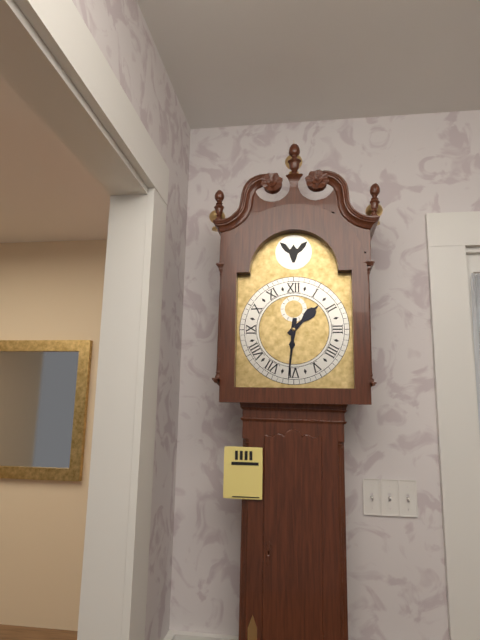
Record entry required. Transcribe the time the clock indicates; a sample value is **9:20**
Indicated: **1:31**
